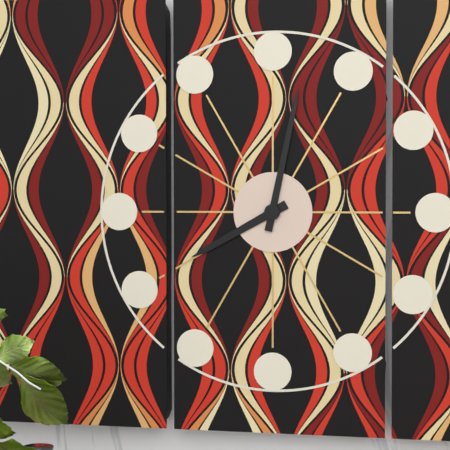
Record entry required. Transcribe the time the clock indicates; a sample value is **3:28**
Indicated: **8:02**
